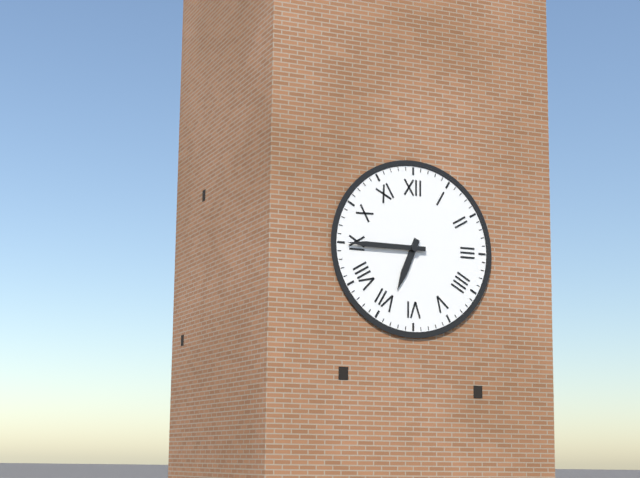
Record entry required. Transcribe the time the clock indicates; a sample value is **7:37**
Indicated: **6:45**
